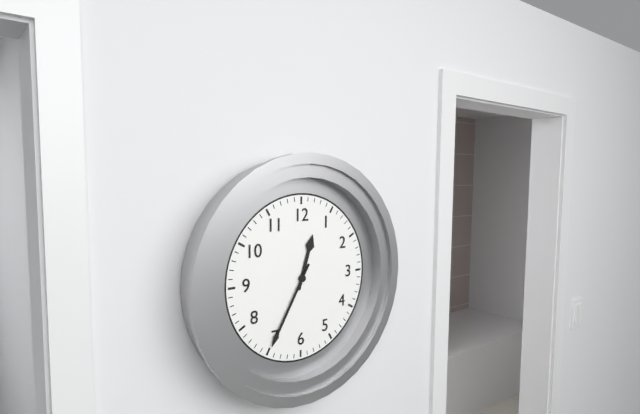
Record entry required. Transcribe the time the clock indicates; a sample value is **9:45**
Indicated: **12:35**
